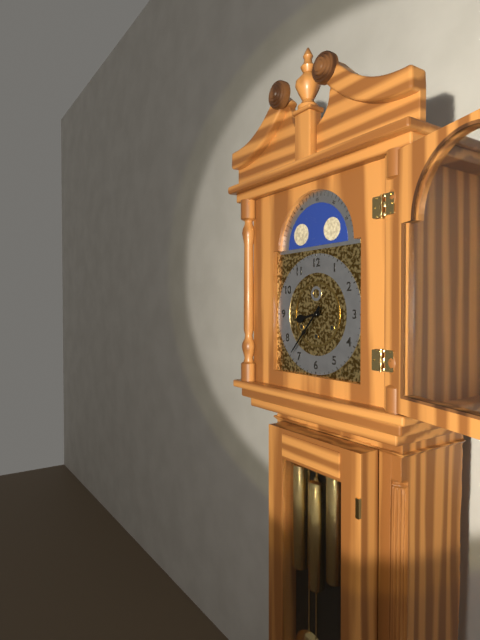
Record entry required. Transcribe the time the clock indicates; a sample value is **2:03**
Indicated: **8:37**
